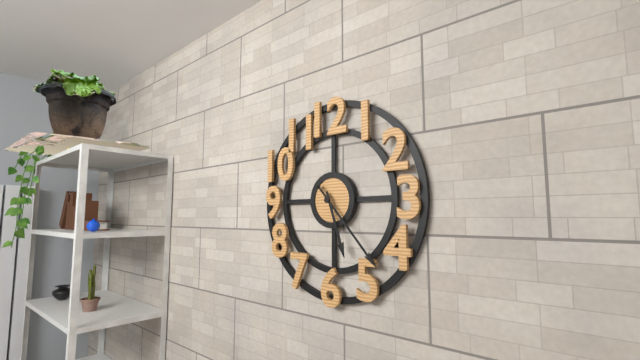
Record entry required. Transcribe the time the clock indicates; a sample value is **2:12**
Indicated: **5:23**
